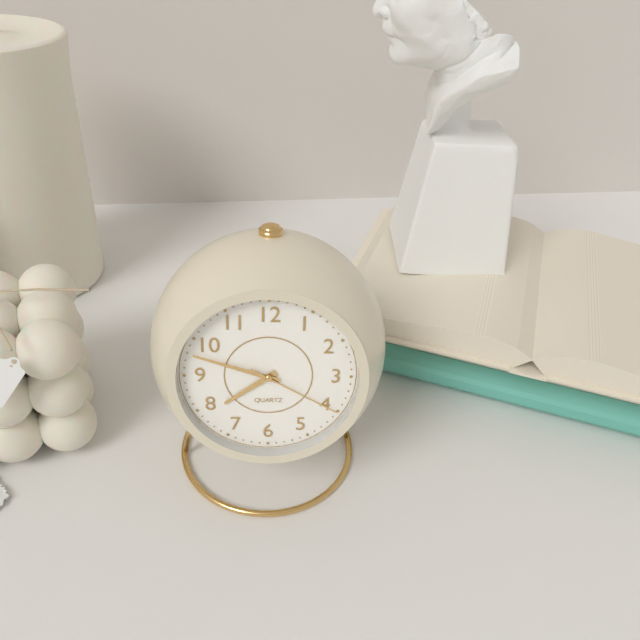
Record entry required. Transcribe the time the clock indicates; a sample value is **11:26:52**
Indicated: **7:48:20**
